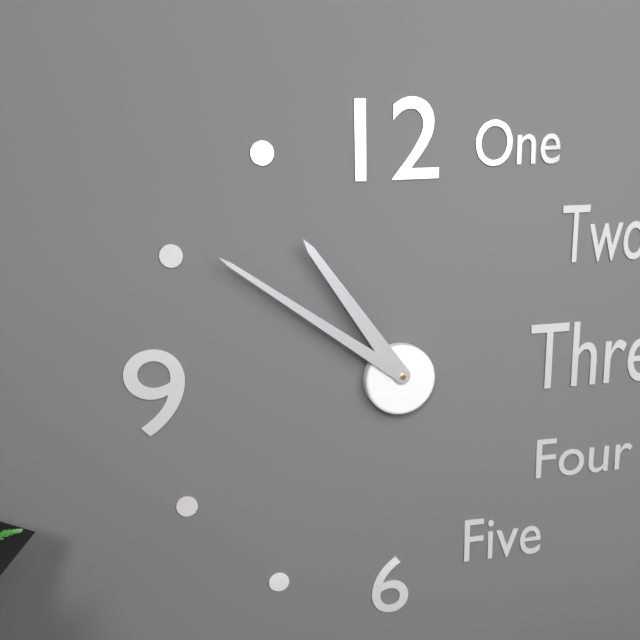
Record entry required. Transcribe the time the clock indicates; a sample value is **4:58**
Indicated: **10:51**
